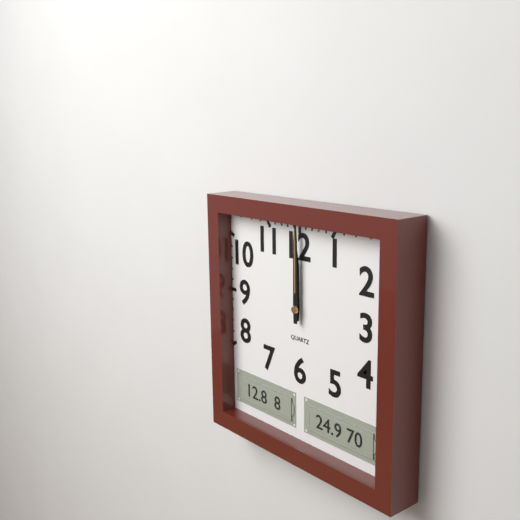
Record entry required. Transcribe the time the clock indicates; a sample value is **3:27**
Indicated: **12:00**
